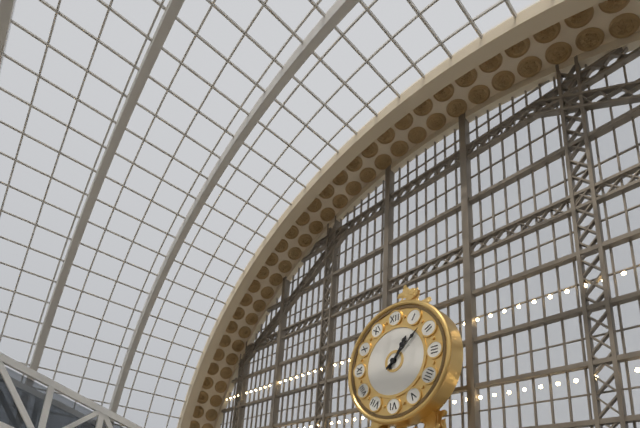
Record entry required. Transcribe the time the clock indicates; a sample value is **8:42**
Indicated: **1:08**
